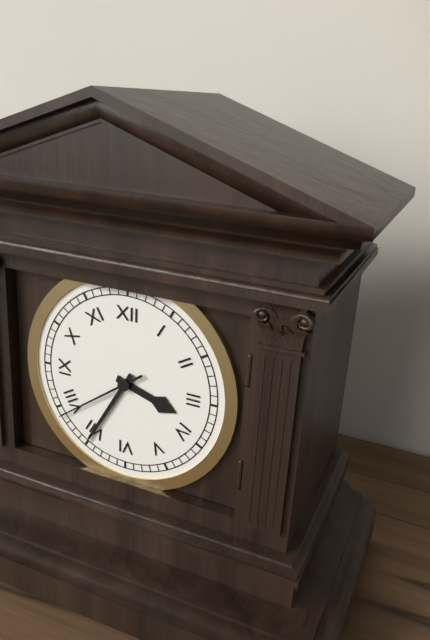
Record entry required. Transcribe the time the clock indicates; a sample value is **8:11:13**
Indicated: **3:35:39**
